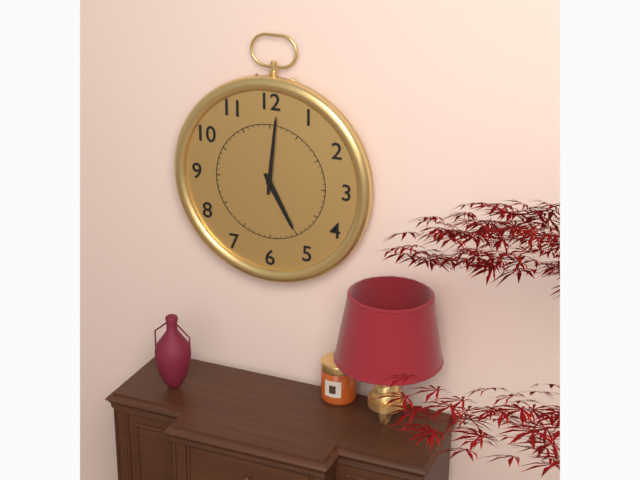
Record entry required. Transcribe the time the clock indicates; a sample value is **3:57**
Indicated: **5:01**
